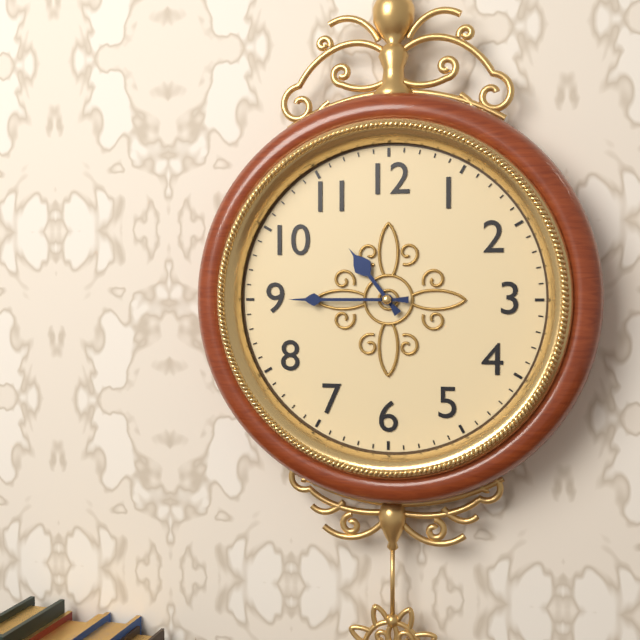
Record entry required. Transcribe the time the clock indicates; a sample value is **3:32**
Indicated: **10:45**
